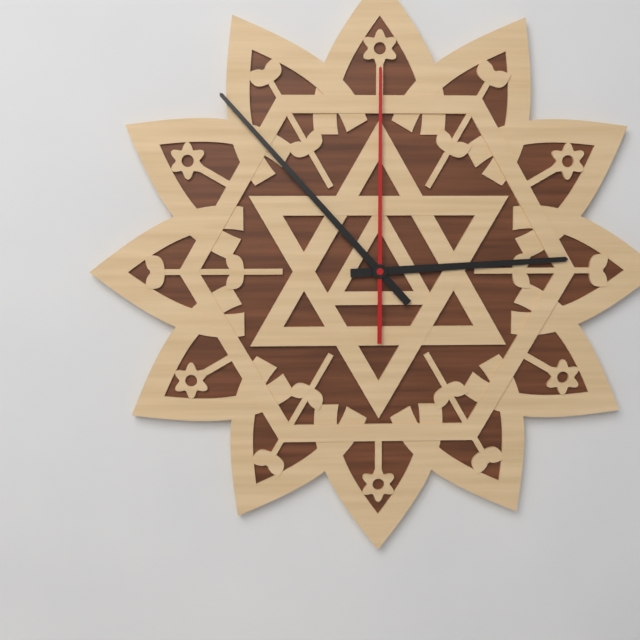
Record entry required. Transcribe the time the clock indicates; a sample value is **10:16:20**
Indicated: **2:53:00**
